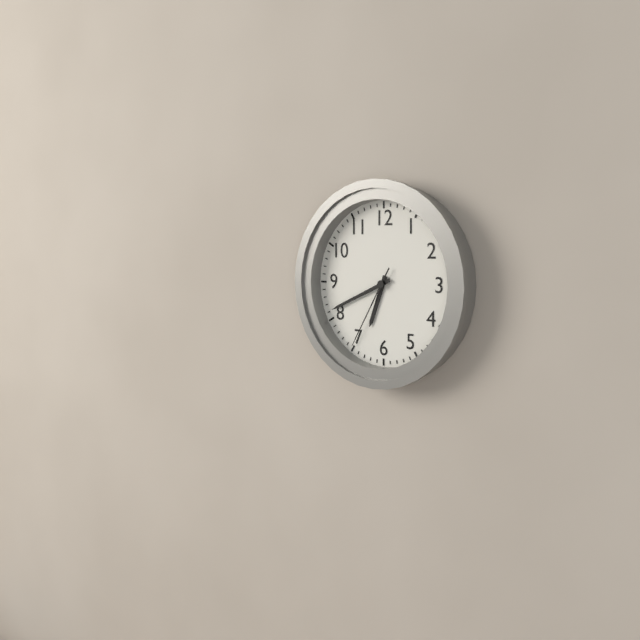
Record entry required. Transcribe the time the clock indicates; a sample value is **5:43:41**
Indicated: **6:41:35**
